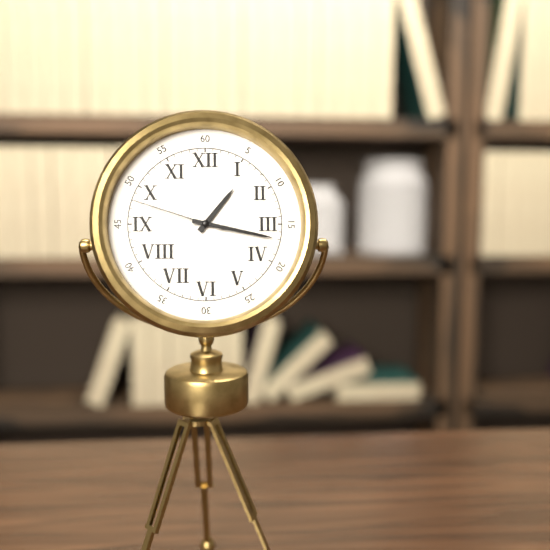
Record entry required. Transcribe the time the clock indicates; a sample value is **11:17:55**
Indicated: **1:17:48**
